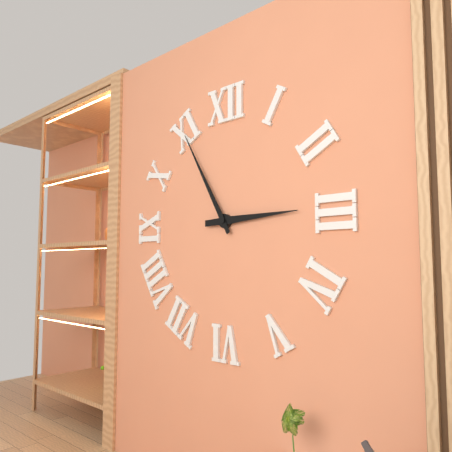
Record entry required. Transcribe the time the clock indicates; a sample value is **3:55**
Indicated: **2:55**
